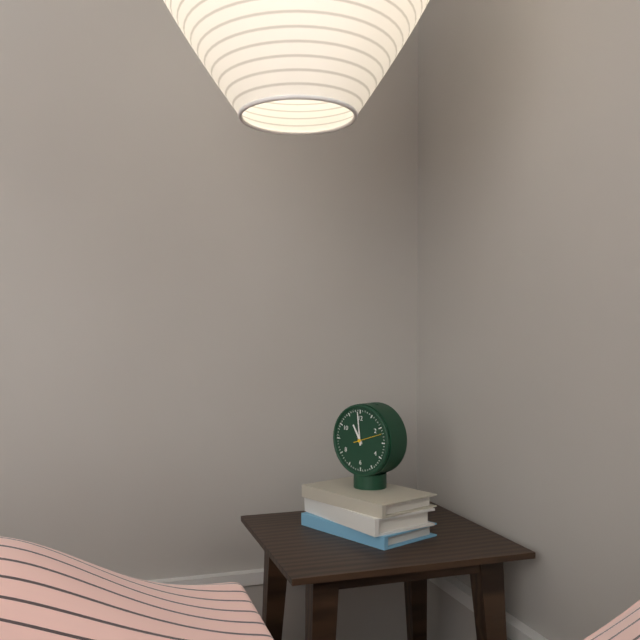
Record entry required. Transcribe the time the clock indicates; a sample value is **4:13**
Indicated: **10:59**
